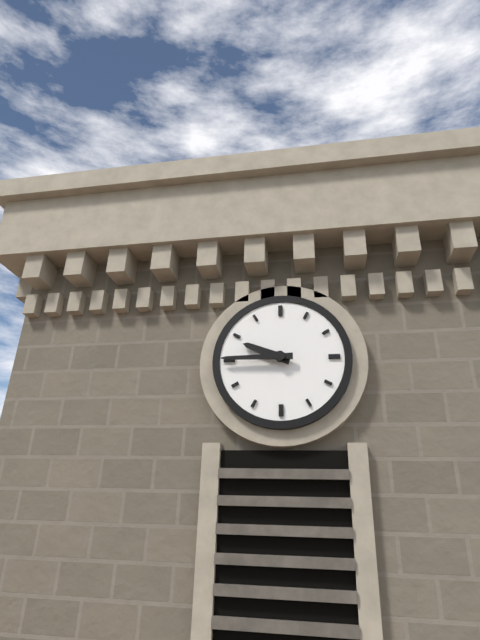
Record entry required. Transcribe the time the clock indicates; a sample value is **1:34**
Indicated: **9:45**
